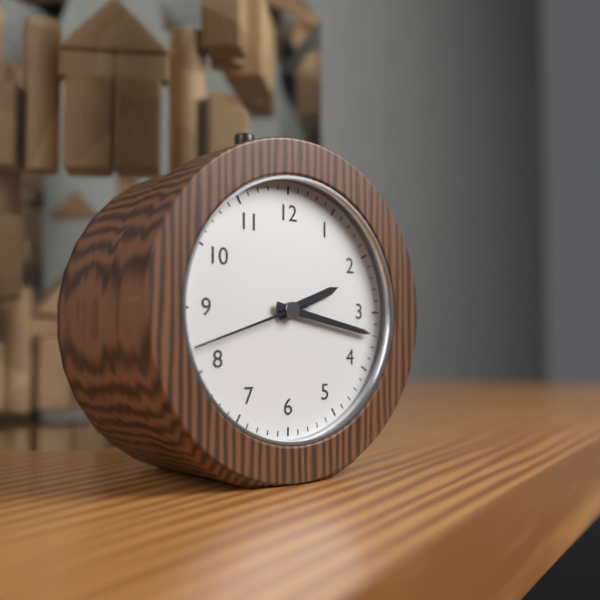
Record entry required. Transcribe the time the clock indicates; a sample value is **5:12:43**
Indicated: **2:17:42**
